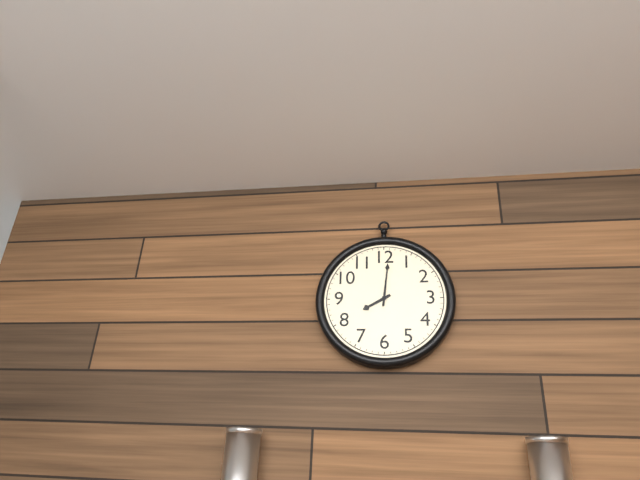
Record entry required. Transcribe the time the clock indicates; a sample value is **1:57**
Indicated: **8:01**
